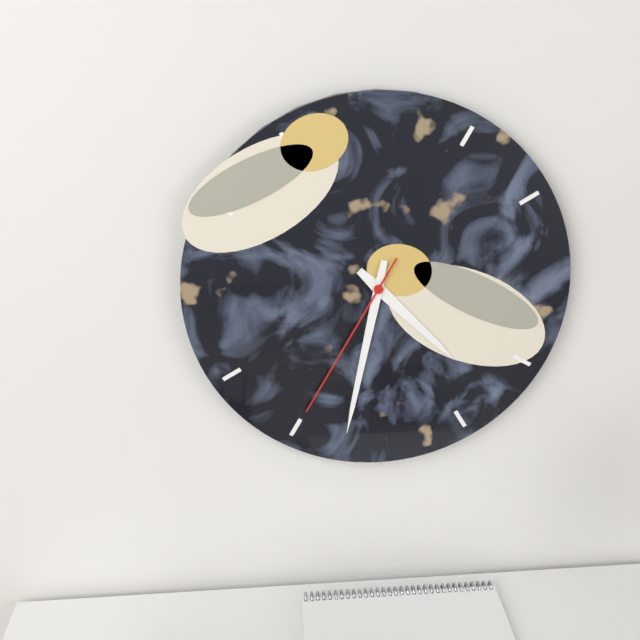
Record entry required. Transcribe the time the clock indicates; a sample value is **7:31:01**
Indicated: **4:32:35**
